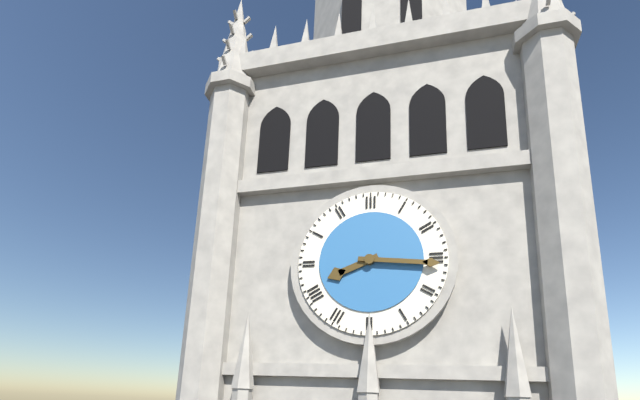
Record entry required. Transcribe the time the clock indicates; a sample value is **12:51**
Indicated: **8:16**
